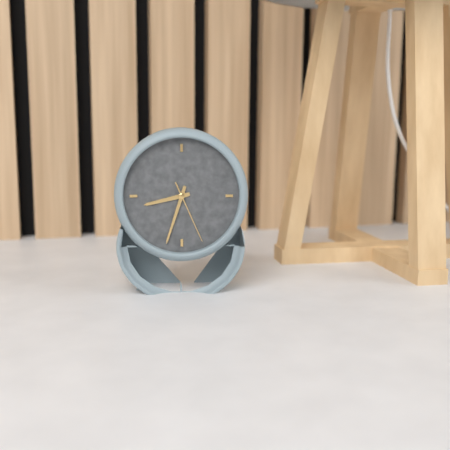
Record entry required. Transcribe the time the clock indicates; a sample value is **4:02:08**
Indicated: **8:33:26**
